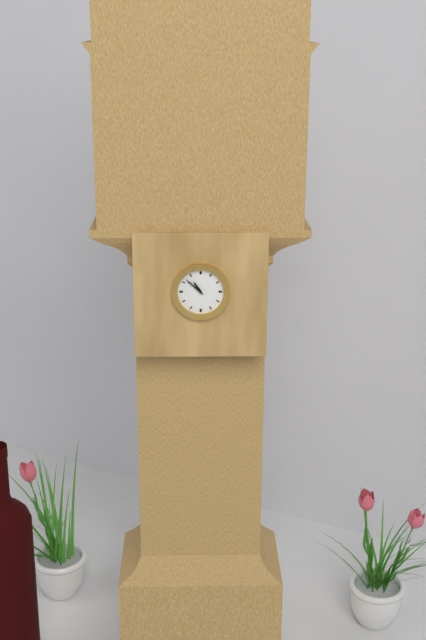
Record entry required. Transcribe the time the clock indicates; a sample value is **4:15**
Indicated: **10:52**
